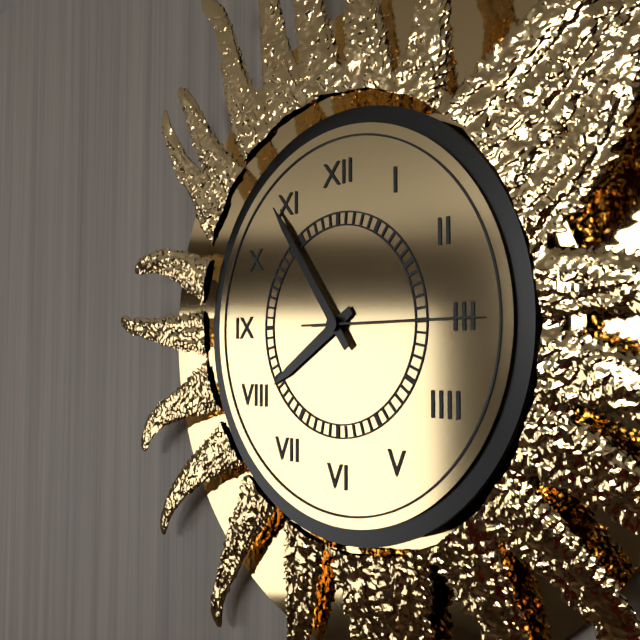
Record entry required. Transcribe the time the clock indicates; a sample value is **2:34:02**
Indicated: **7:54:15**
